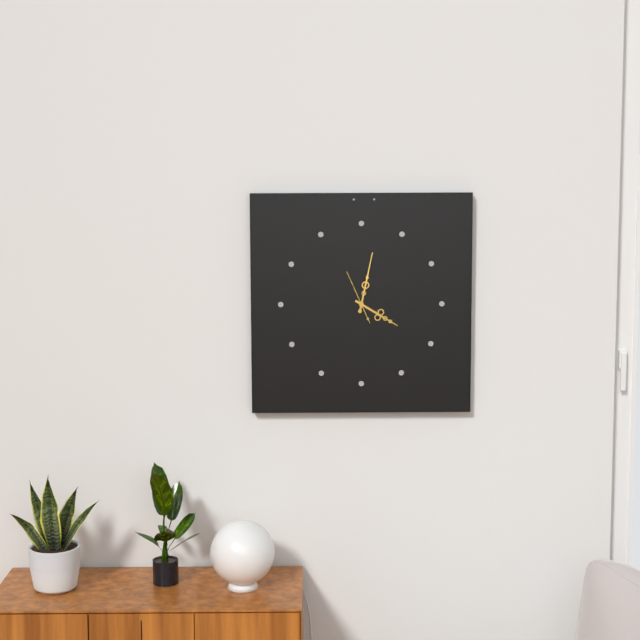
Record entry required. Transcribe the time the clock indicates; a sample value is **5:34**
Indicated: **4:02**
